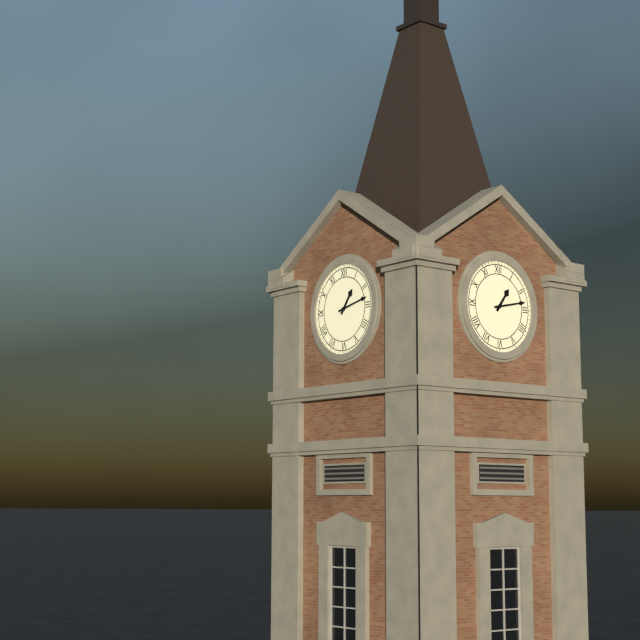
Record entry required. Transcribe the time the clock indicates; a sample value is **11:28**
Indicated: **1:13**
